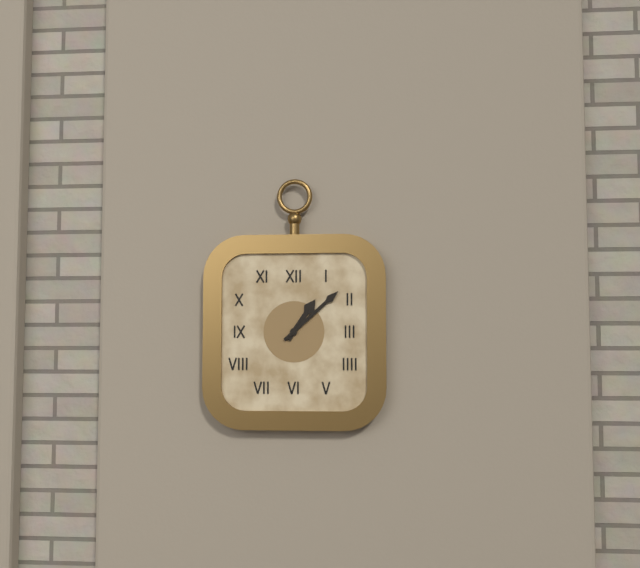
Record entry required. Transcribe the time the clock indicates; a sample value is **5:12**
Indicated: **1:08**
